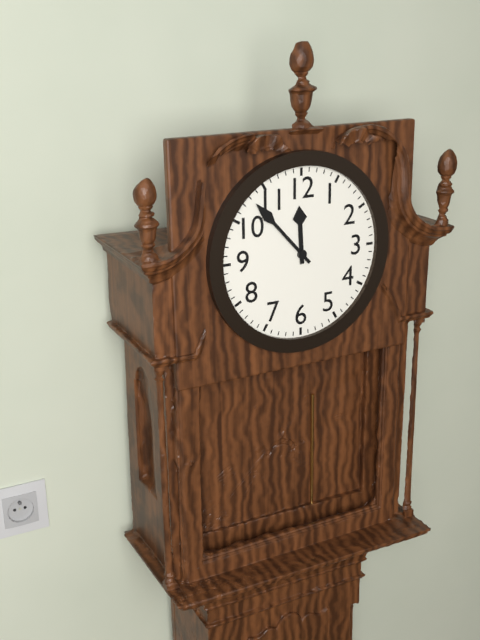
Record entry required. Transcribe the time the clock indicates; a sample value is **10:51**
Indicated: **11:53**
